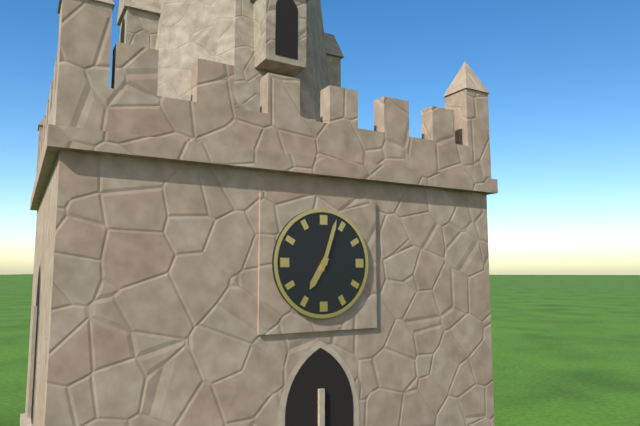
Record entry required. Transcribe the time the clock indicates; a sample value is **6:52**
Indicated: **7:03**
